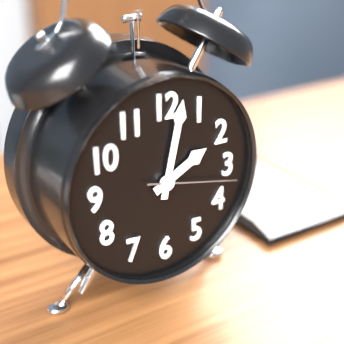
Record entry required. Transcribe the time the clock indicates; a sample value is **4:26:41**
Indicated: **2:02:17**
